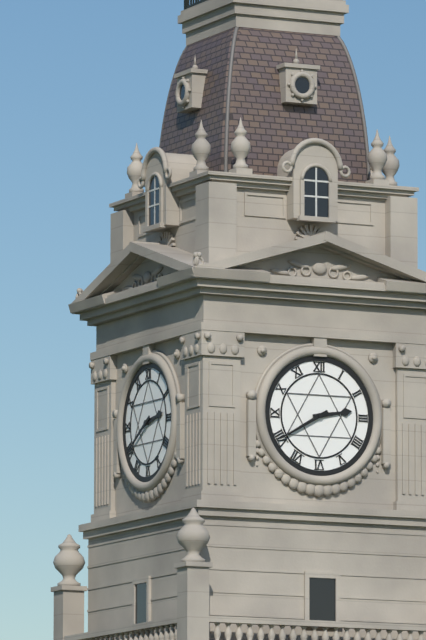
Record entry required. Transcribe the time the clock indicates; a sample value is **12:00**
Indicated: **2:40**
